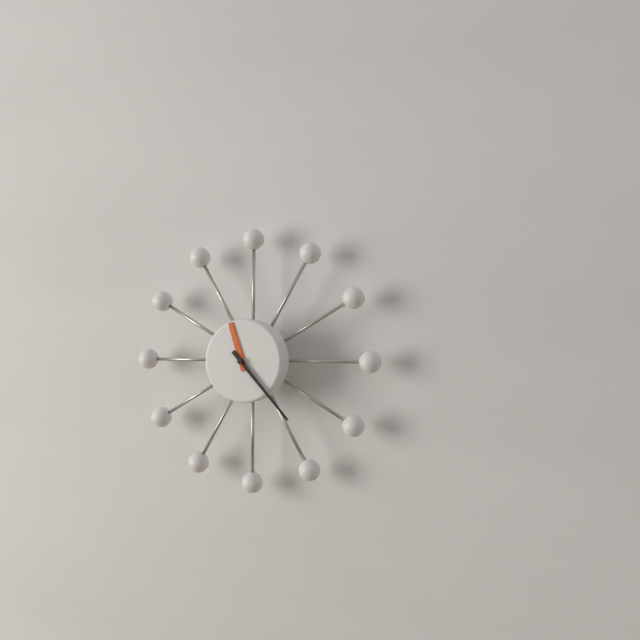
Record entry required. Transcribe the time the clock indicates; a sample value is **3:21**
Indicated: **11:23**
